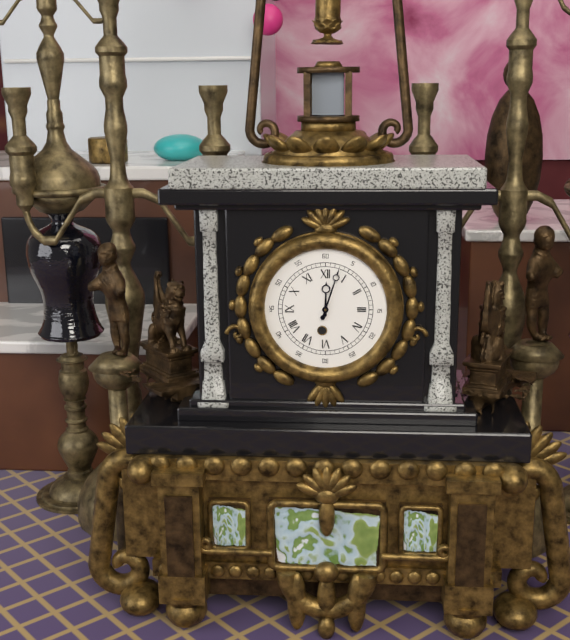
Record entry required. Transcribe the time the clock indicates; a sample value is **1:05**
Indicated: **12:03**
